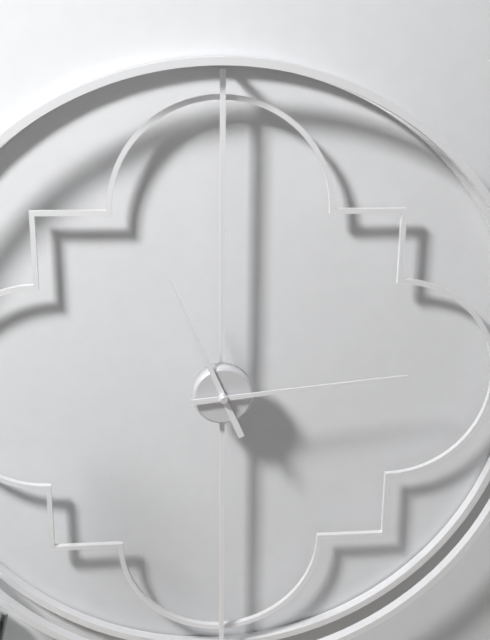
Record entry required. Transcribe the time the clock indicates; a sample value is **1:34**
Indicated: **11:14**
